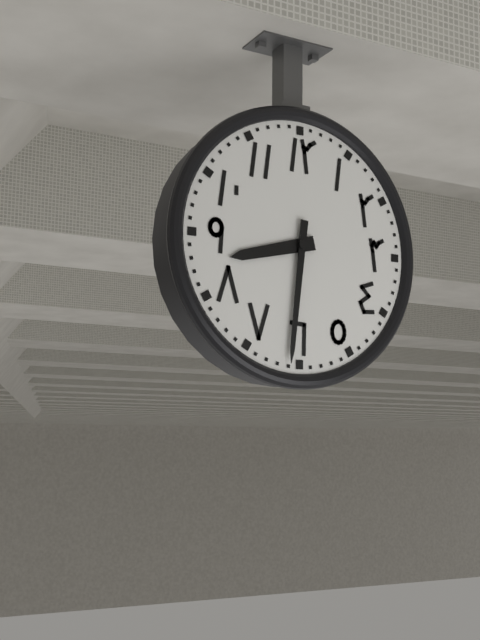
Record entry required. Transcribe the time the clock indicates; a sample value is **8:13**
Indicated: **8:31**
